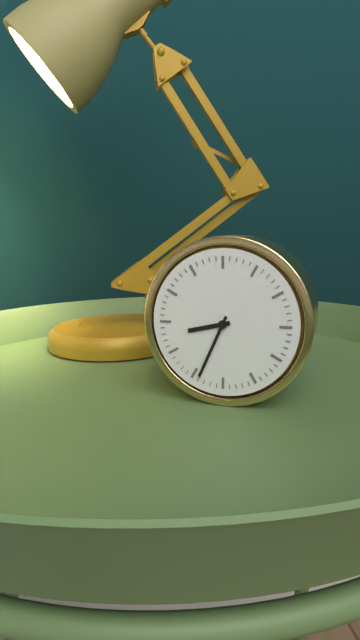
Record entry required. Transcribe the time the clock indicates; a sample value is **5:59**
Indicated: **8:34**
